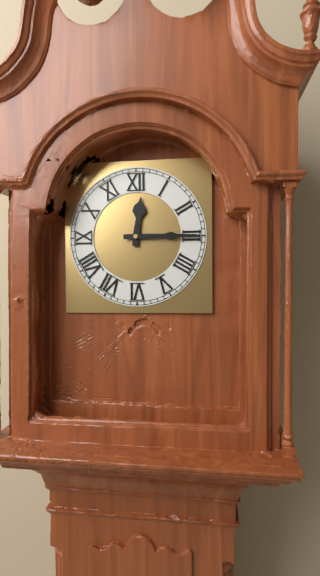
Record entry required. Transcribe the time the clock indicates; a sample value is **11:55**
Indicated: **12:15**
